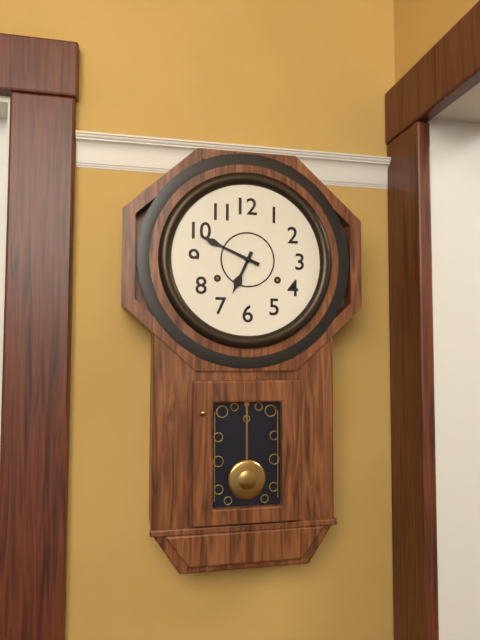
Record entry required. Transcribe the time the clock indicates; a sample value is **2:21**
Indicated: **6:49**
